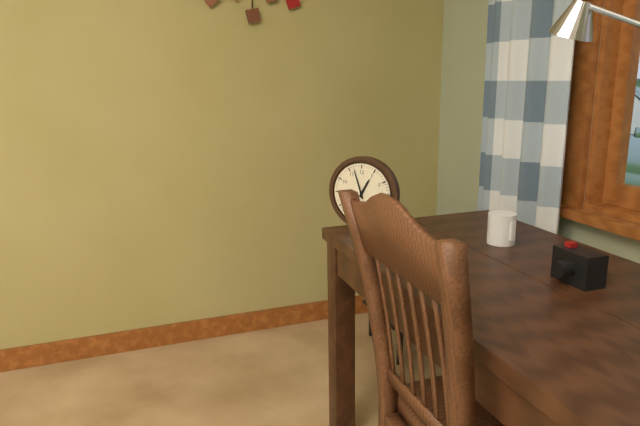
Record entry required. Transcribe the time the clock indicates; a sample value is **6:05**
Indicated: **12:57**
